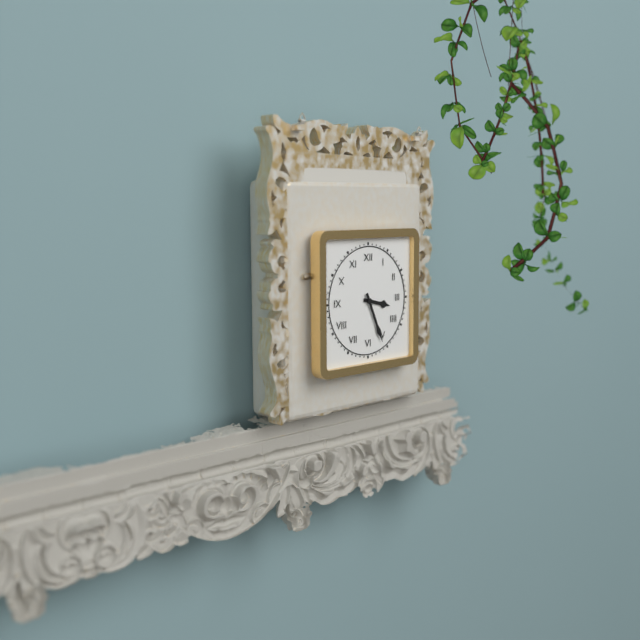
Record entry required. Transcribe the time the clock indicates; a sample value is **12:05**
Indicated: **3:26**
